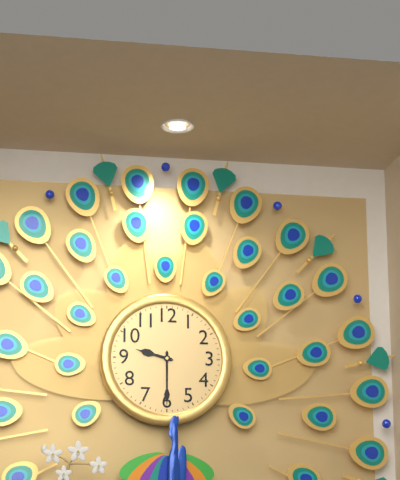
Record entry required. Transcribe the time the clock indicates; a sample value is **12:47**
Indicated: **9:30**
